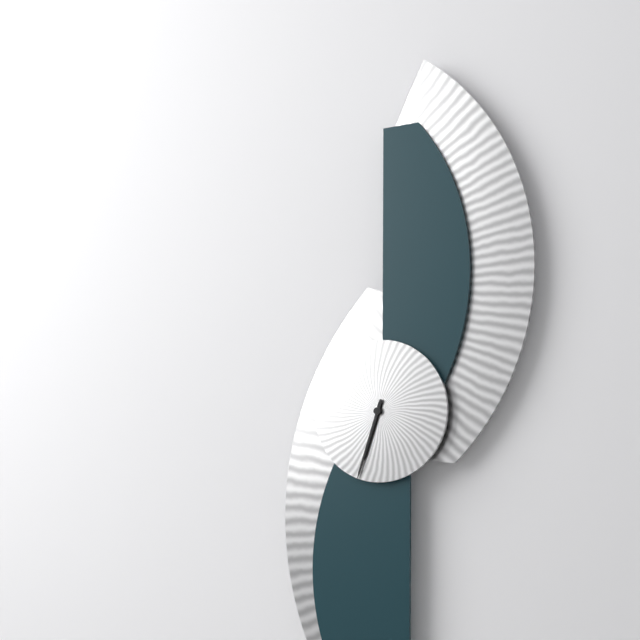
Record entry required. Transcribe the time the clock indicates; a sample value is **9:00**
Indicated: **6:33**
